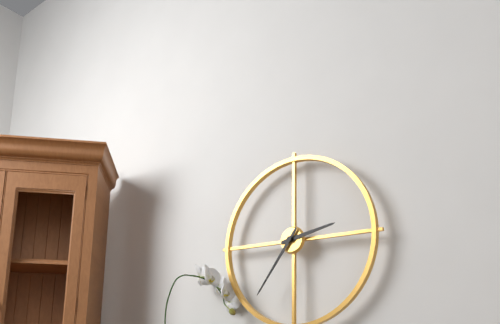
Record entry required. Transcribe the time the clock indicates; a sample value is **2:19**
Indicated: **2:36**
